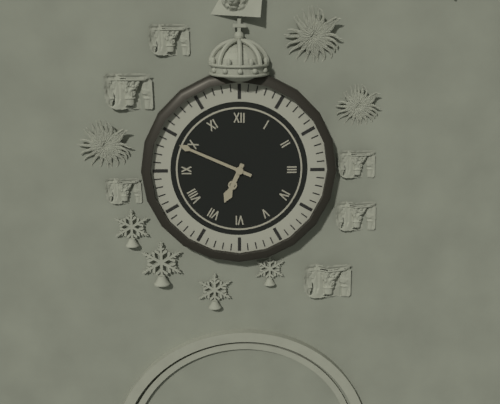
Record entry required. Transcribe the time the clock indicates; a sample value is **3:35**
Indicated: **6:49**
